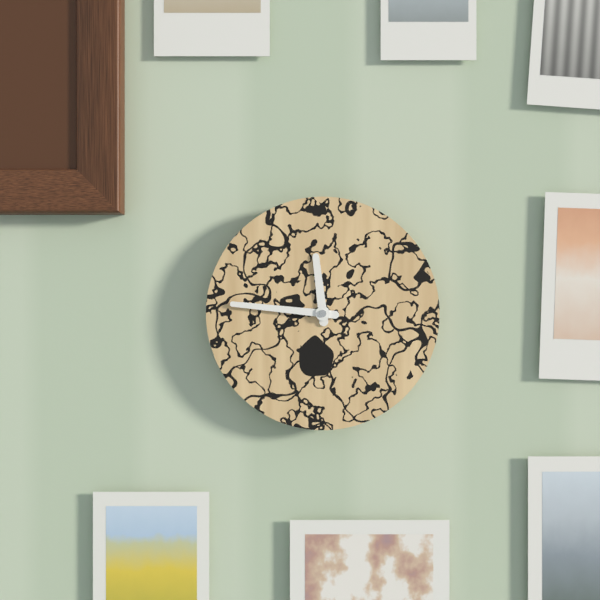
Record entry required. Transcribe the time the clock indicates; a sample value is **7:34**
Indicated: **11:46**
